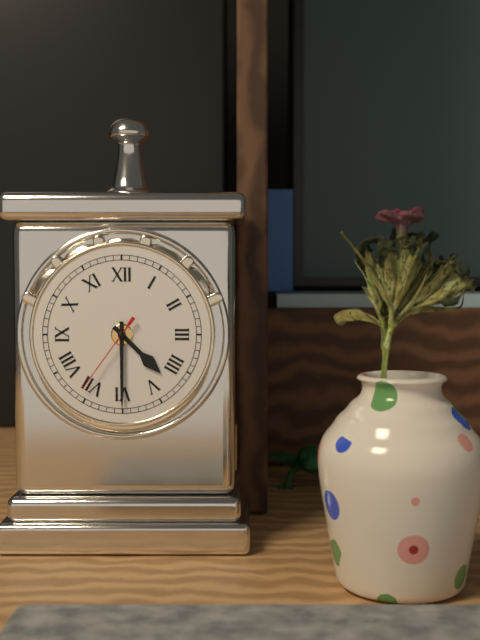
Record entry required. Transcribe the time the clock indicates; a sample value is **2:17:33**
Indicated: **4:30:36**
